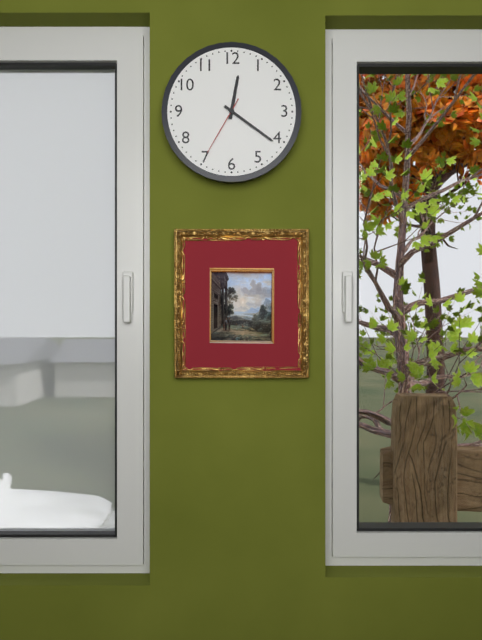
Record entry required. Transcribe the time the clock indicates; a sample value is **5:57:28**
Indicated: **12:21:35**
